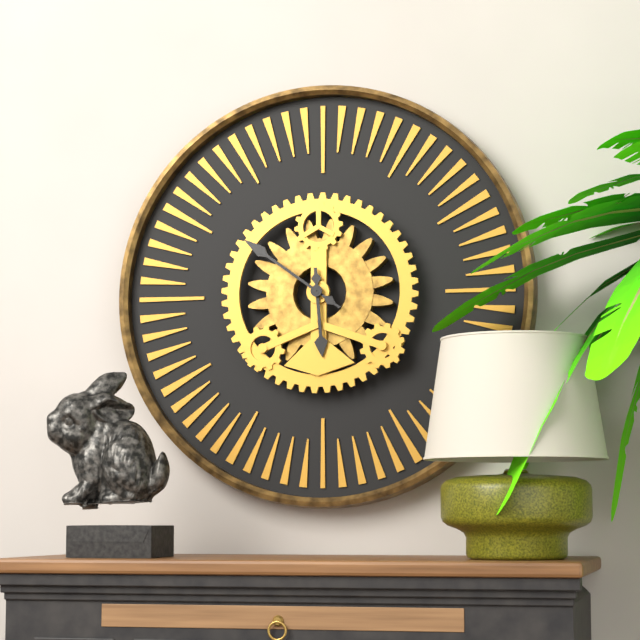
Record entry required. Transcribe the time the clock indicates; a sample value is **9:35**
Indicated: **5:51**
